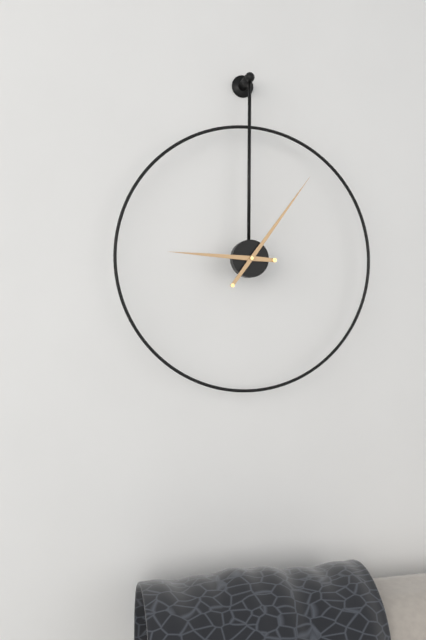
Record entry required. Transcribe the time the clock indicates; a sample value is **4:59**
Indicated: **9:06**
